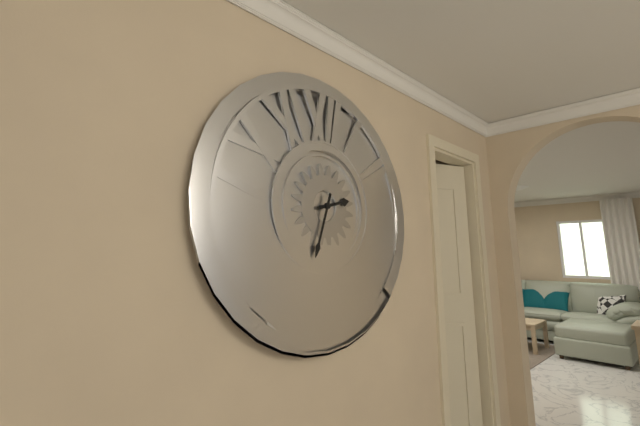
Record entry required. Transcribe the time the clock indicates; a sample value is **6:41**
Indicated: **2:33**
